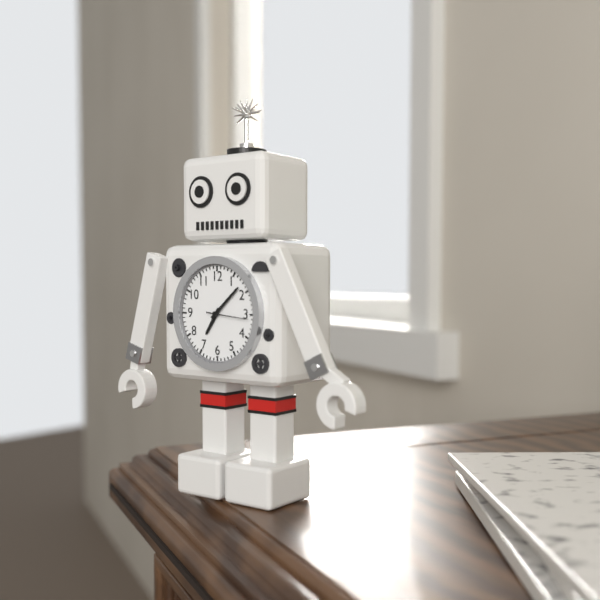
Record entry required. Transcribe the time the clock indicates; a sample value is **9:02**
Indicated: **7:08**
